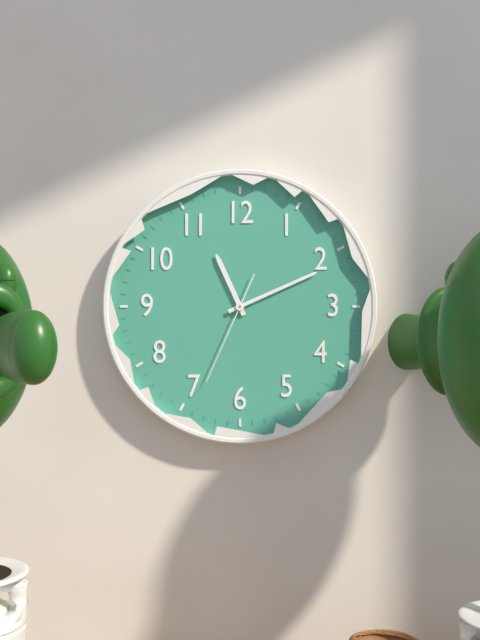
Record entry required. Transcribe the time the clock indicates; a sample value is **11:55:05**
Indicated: **11:11:34**
